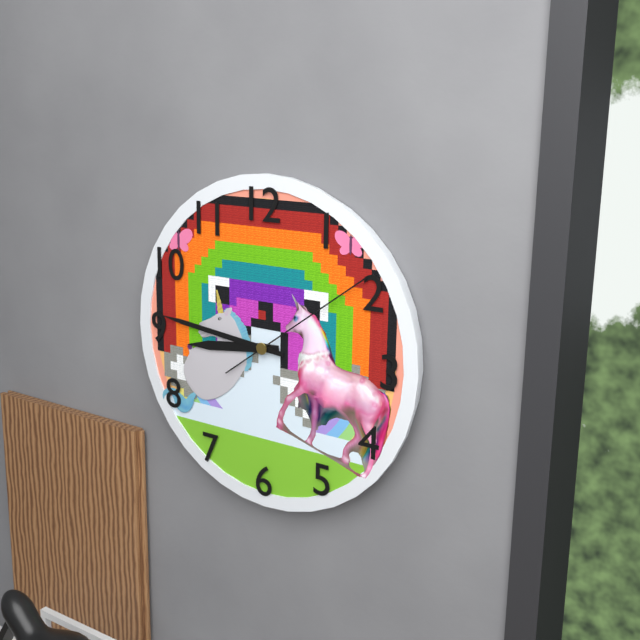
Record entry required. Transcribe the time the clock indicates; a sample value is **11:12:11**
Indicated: **8:46:09**
